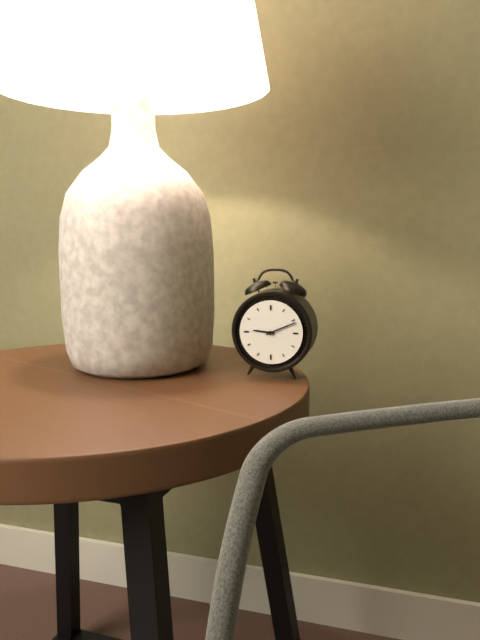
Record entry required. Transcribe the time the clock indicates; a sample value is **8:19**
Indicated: **9:11**
